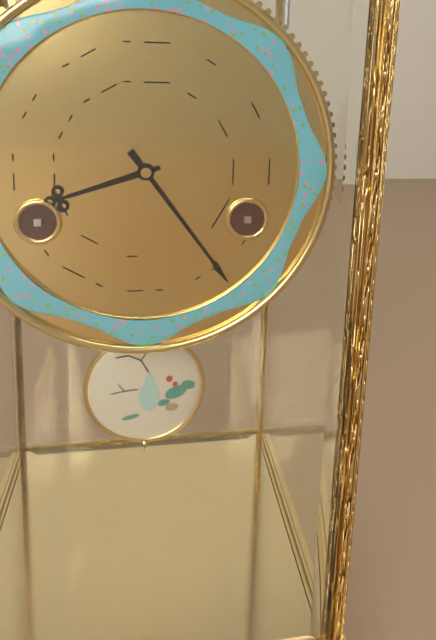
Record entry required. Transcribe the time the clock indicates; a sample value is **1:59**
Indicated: **8:24**
